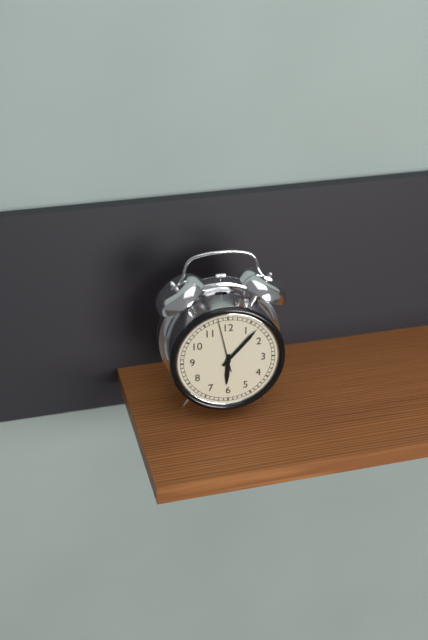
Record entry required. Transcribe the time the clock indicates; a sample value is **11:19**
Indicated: **6:07**
